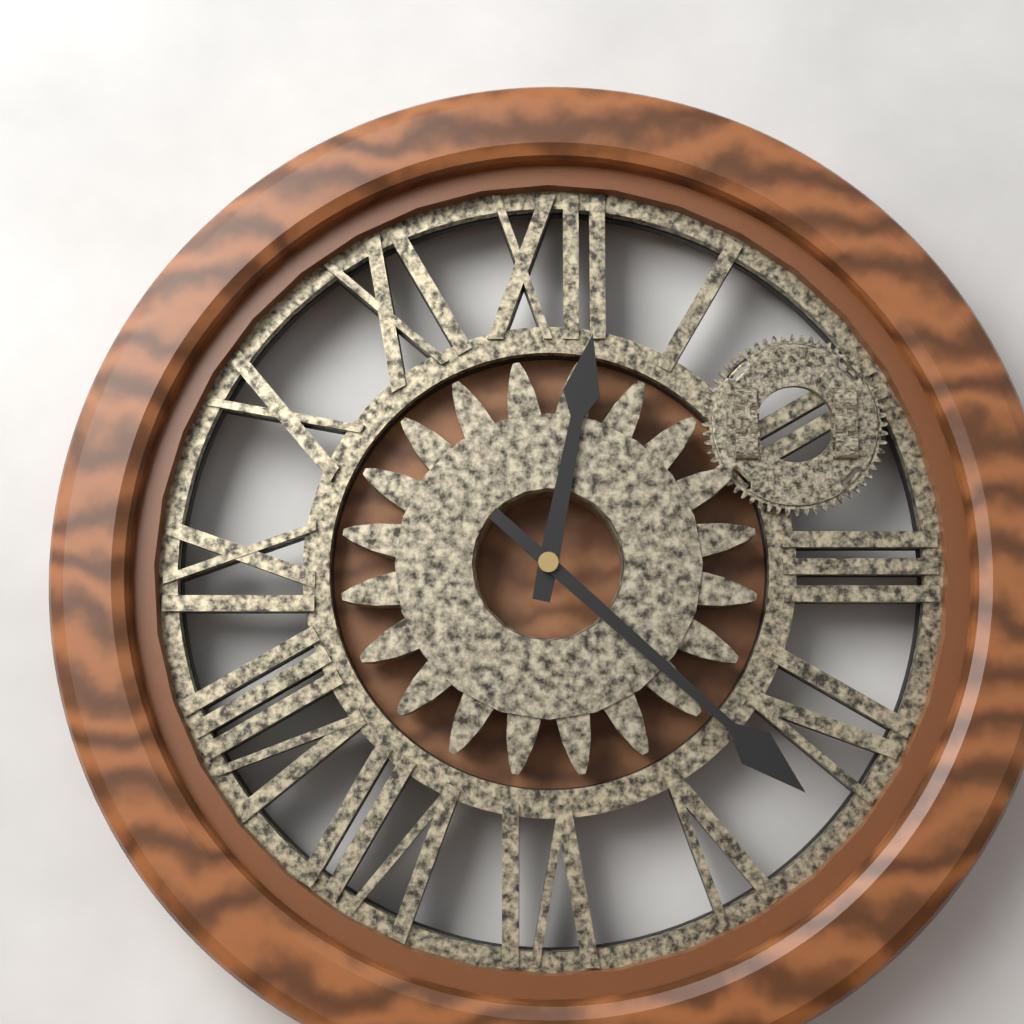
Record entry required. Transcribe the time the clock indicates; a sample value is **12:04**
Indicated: **12:22**
